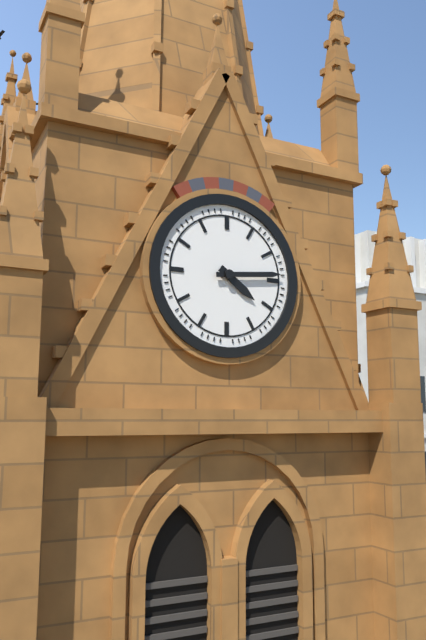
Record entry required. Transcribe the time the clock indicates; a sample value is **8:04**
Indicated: **4:14**
